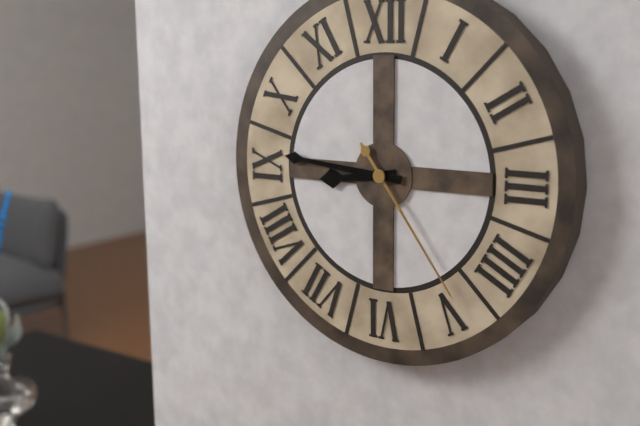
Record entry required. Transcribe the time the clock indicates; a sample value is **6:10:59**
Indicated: **8:46:24**
